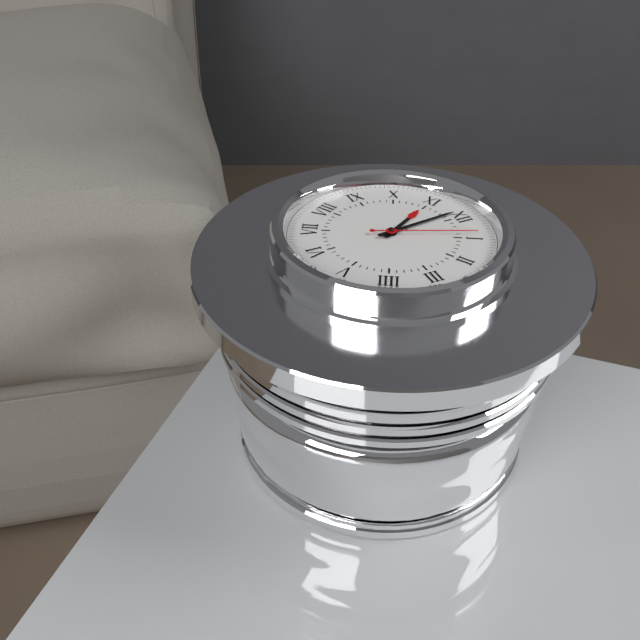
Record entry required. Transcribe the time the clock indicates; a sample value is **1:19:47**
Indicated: **10:59:04**
